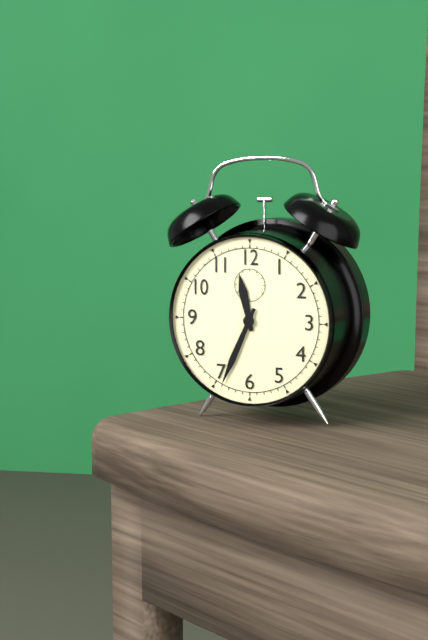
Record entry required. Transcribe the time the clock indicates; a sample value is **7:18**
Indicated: **11:34**
